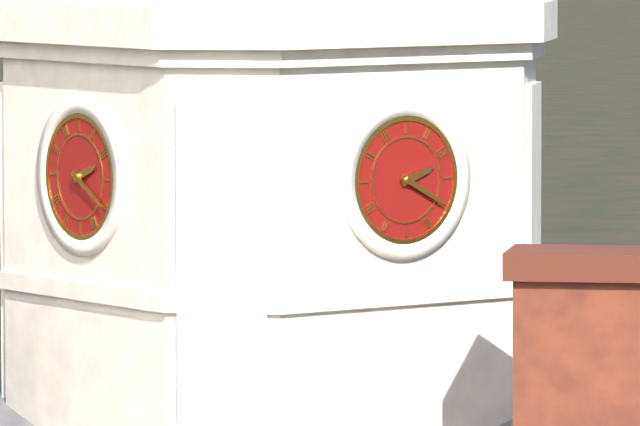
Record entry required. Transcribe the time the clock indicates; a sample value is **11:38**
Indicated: **2:20**
